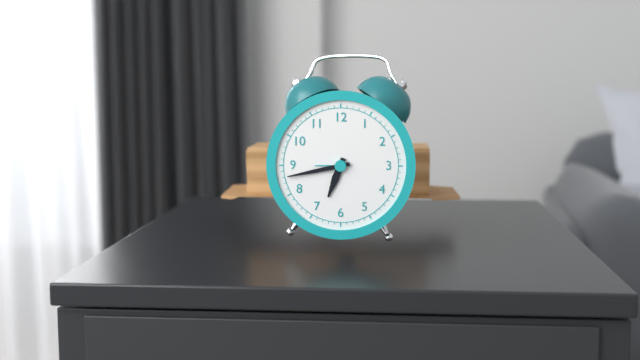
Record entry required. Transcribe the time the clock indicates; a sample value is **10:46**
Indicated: **6:43**
